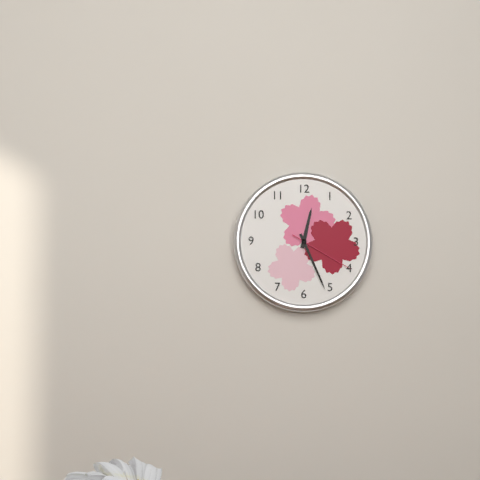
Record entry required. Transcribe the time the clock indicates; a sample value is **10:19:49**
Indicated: **12:26:20**
